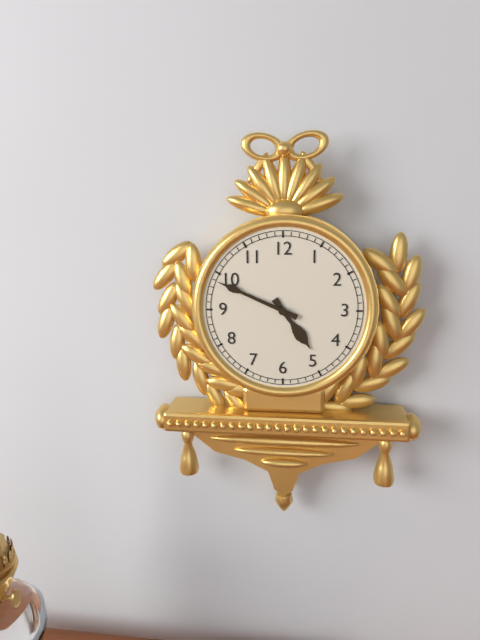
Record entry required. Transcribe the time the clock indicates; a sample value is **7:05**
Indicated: **4:49**
